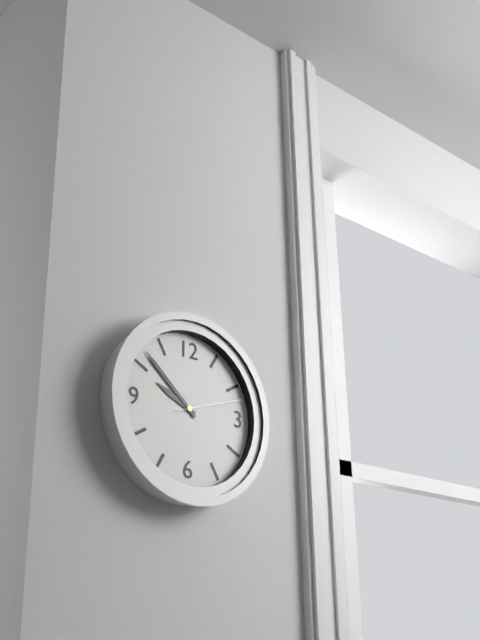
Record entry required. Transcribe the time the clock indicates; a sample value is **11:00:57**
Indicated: **9:52:12**
